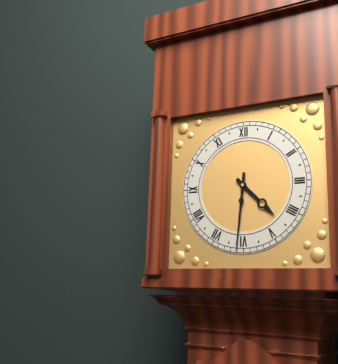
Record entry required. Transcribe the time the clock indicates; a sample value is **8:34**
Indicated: **4:31**
